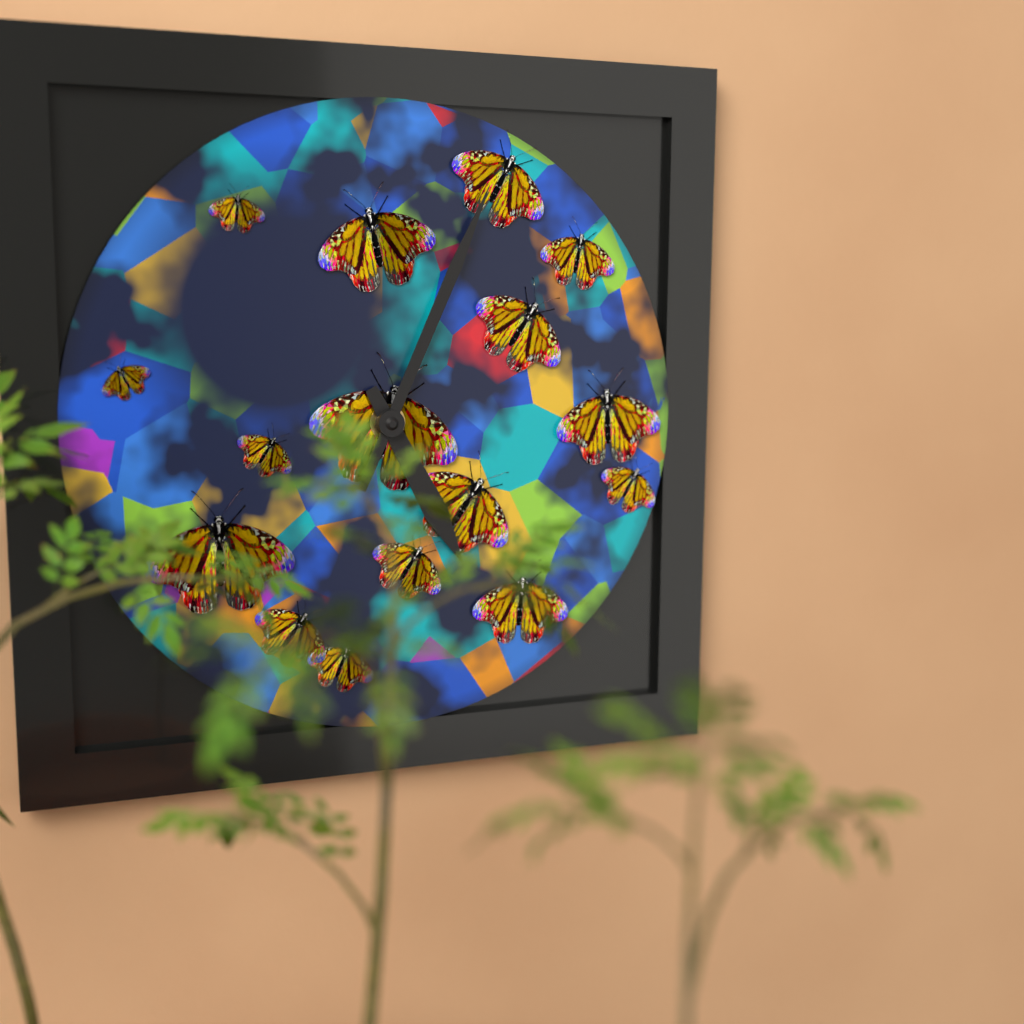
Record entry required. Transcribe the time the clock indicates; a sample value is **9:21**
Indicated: **5:04**
